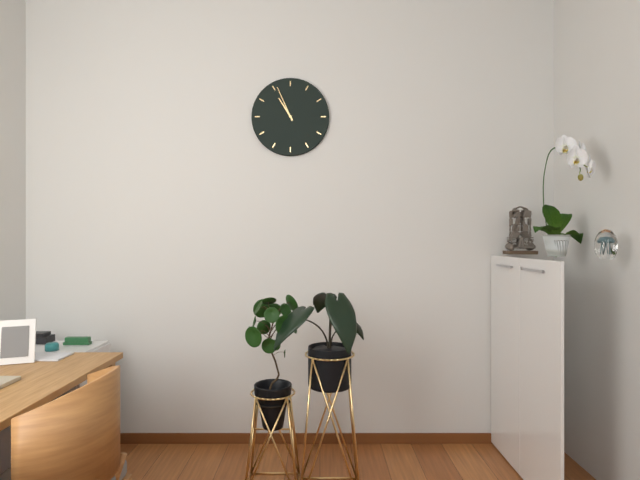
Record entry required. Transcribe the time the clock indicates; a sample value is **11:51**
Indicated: **10:56**
